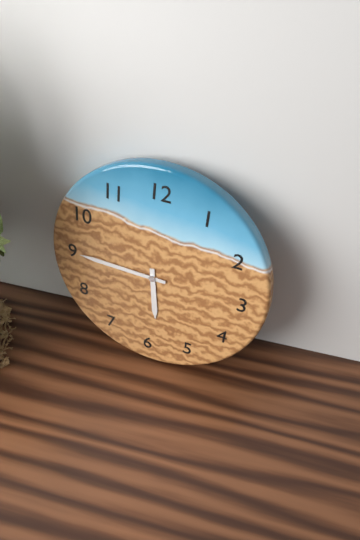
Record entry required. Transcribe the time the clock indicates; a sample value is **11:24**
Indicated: **5:45**
